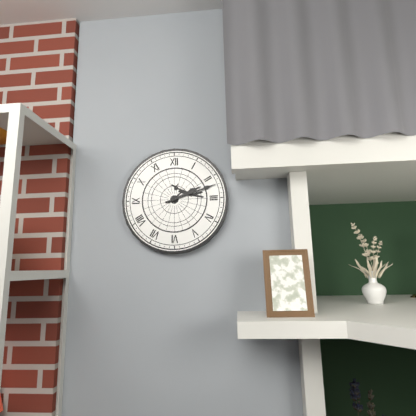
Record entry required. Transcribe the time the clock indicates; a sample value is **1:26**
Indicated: **2:12**
